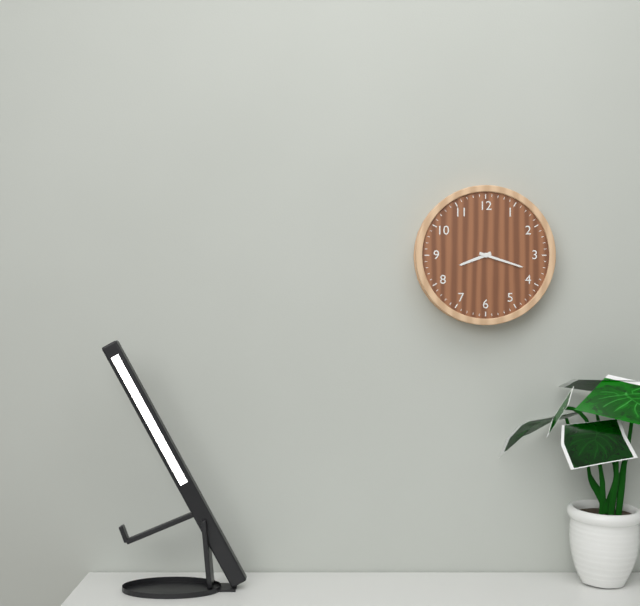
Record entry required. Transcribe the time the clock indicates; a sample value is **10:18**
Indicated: **8:18**
